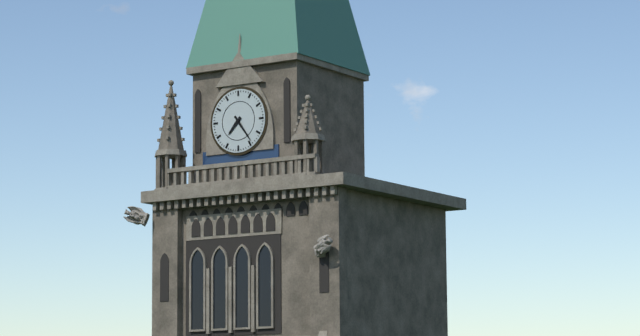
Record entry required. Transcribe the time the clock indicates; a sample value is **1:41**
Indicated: **7:24**
